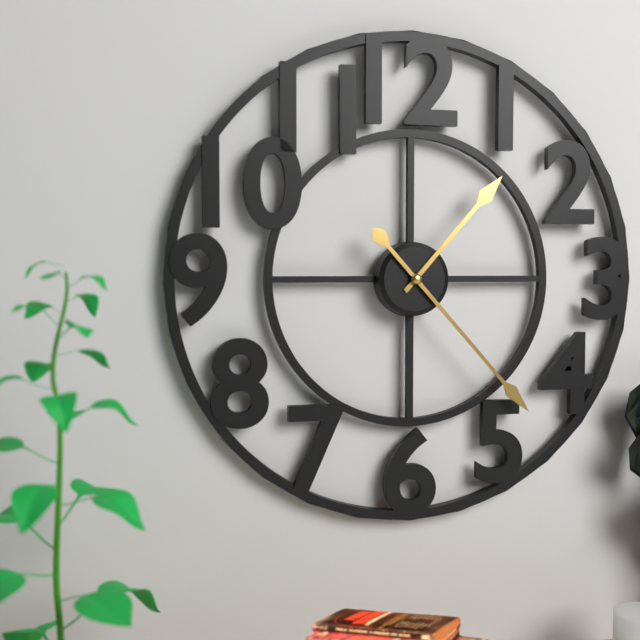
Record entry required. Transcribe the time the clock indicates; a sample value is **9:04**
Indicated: **1:23**
